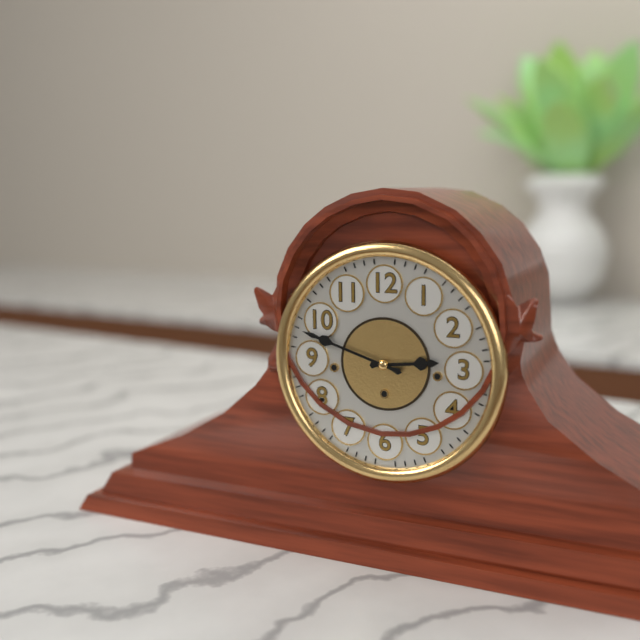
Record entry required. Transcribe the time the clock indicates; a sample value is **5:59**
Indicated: **2:48**
